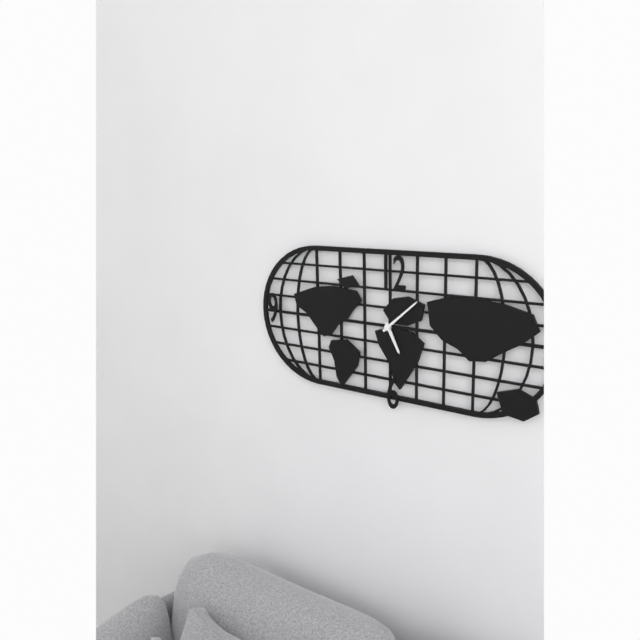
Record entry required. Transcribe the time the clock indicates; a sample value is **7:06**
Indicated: **5:08**
